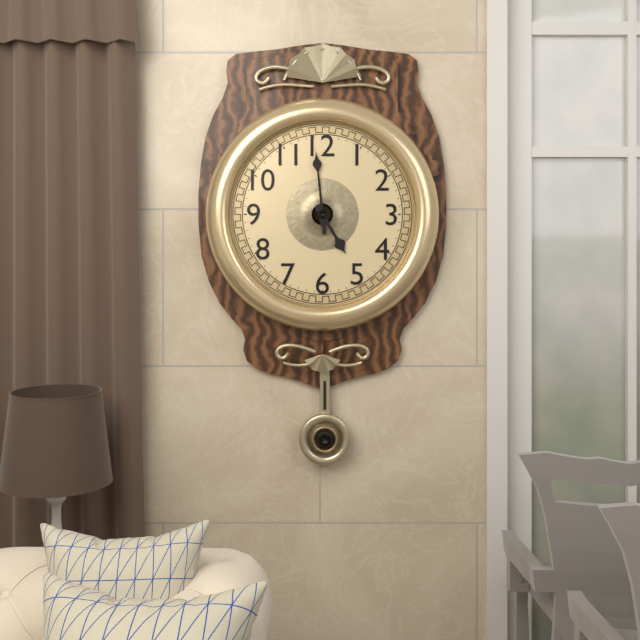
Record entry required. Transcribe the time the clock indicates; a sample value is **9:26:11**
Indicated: **4:59:59**
